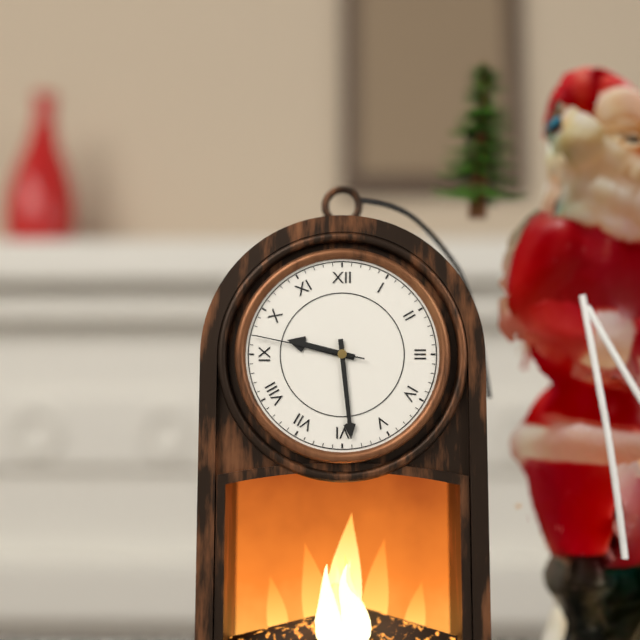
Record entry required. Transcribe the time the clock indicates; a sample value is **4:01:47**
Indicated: **9:29:47**
